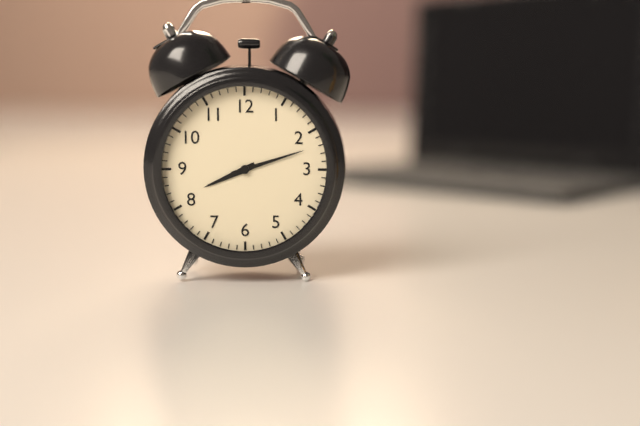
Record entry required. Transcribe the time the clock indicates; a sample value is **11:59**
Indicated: **8:12**
